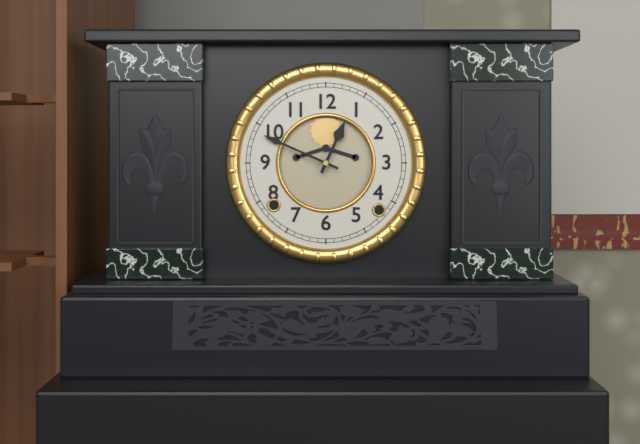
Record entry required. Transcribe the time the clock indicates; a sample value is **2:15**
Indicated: **12:49**
